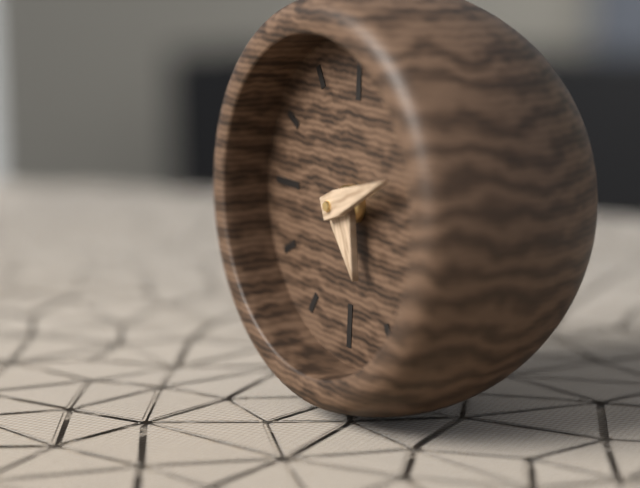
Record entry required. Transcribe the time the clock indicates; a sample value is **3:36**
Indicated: **5:11**
